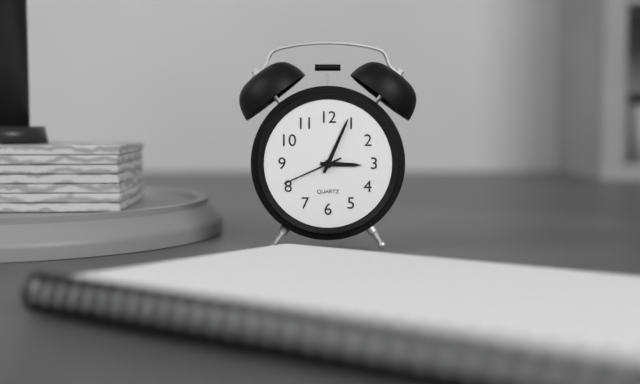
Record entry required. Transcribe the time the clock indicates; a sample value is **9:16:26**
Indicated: **3:04:41**
